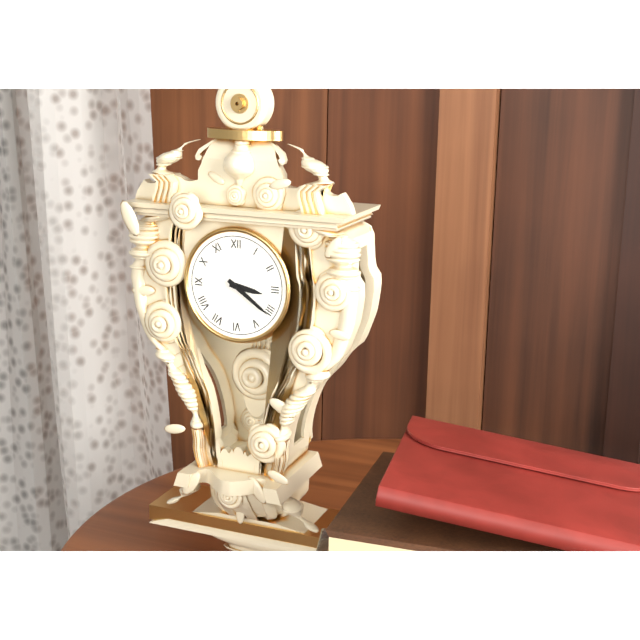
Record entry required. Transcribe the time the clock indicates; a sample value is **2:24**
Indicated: **3:21**
